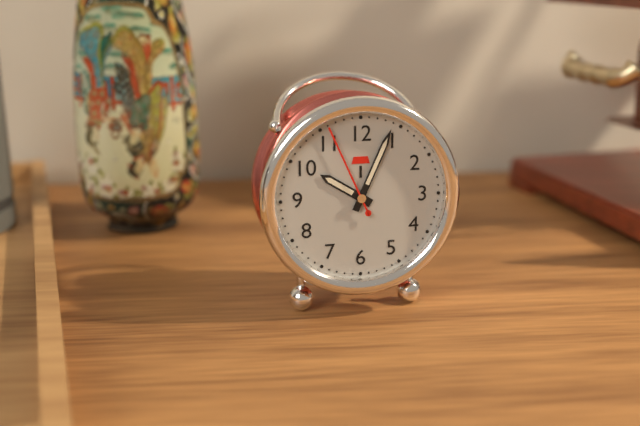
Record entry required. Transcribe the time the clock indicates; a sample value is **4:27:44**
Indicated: **10:04:56**
